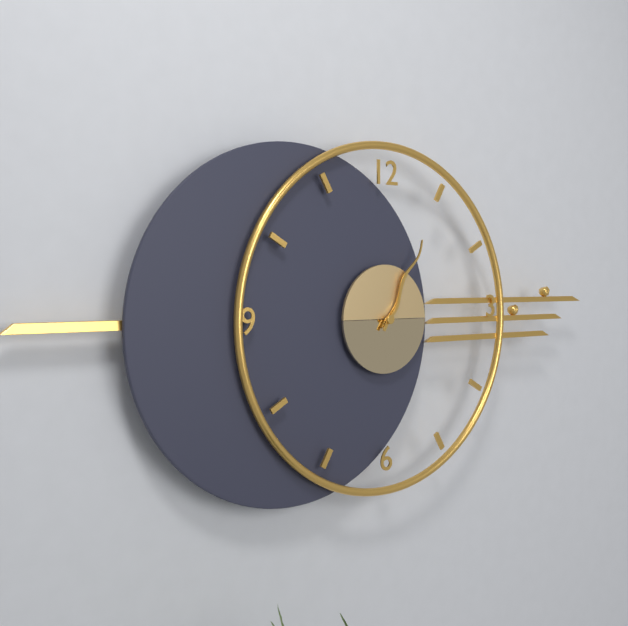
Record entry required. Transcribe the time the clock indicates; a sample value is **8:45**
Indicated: **1:05**
